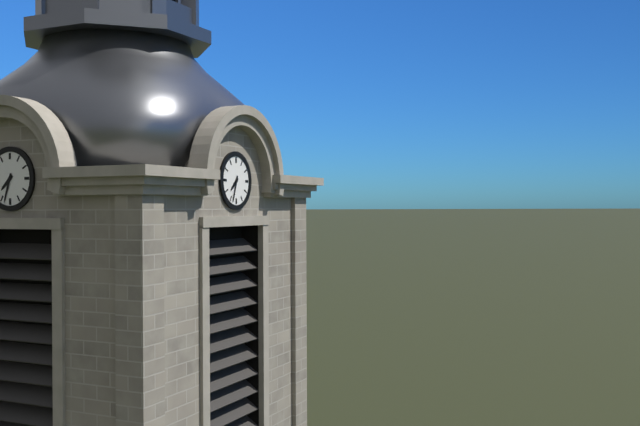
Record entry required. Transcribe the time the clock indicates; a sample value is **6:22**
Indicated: **7:33**
